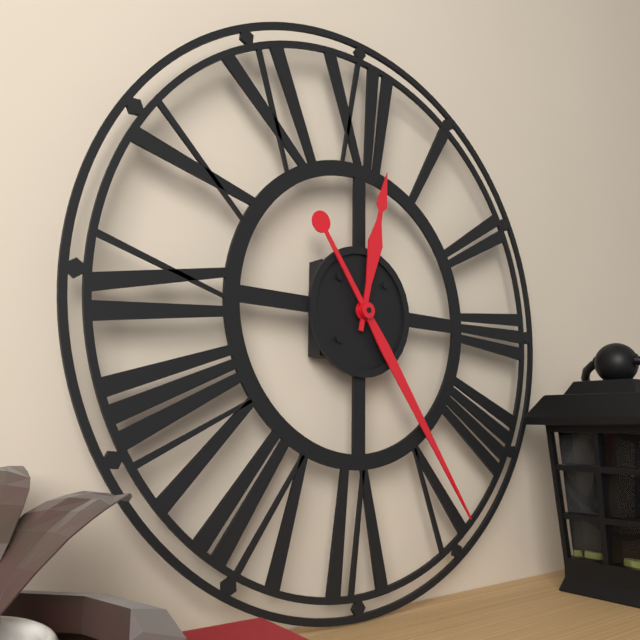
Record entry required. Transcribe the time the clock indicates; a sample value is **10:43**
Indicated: **12:24**
